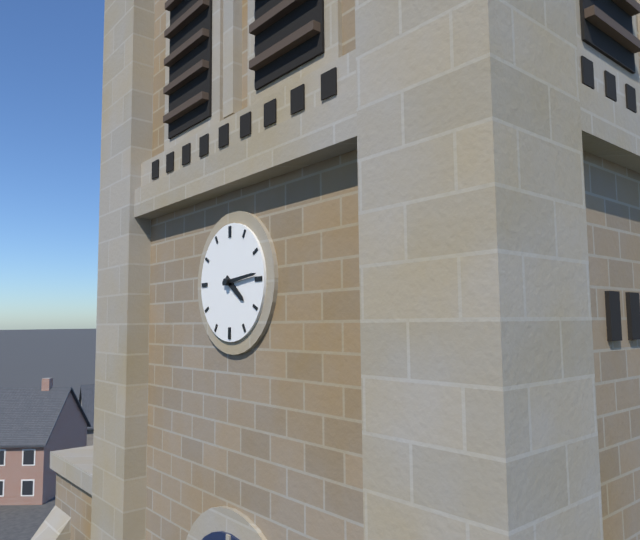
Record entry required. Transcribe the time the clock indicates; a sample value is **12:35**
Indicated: **4:14**
